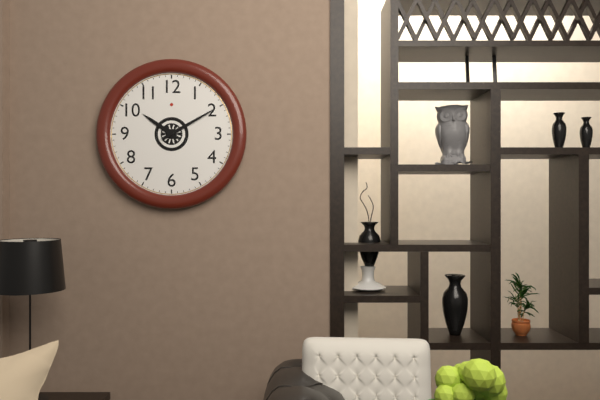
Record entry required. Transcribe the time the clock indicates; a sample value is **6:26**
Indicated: **10:10**
